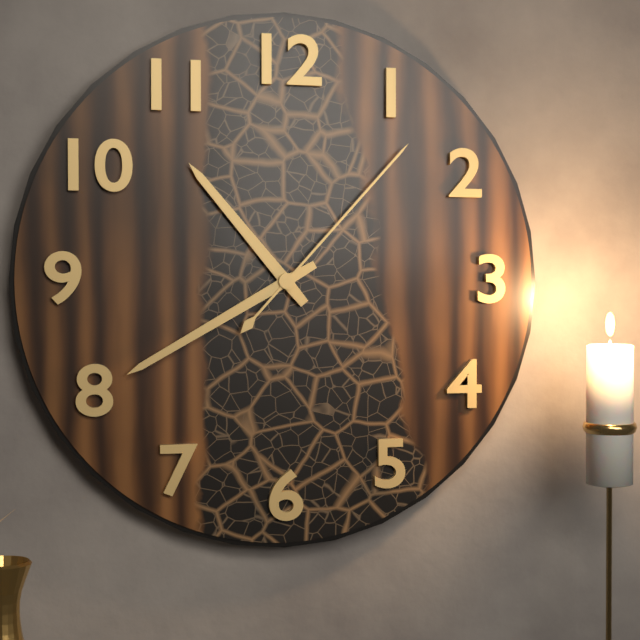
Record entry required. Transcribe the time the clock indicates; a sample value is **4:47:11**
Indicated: **10:40:07**
